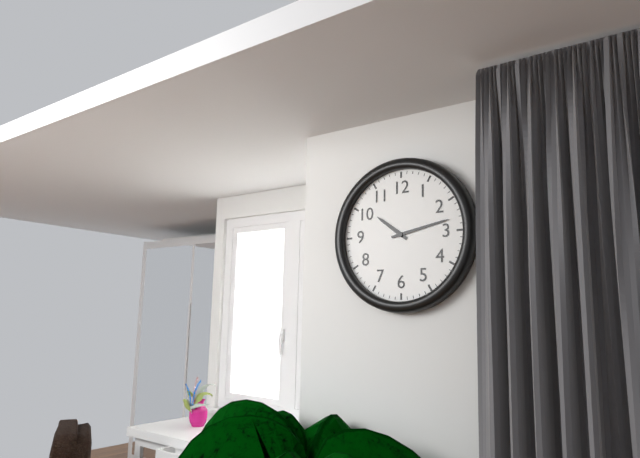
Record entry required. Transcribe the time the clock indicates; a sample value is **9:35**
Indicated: **10:13**
